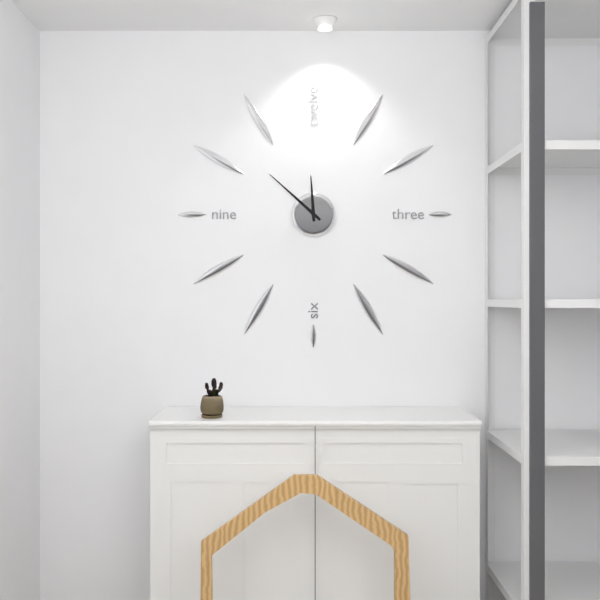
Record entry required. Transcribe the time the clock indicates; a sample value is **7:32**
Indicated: **11:52**
